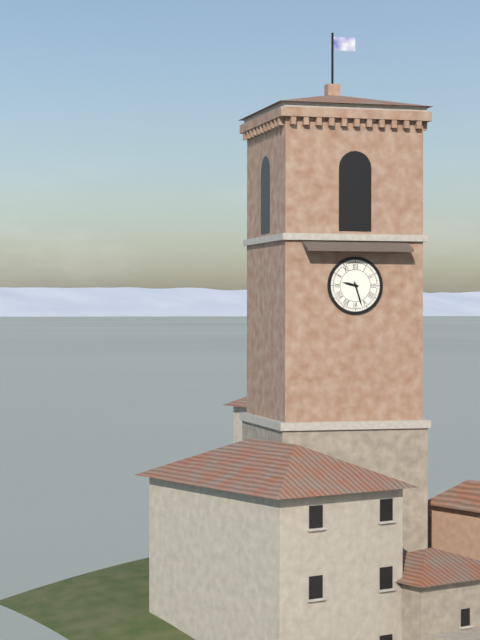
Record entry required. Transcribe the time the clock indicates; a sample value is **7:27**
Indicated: **9:27**
